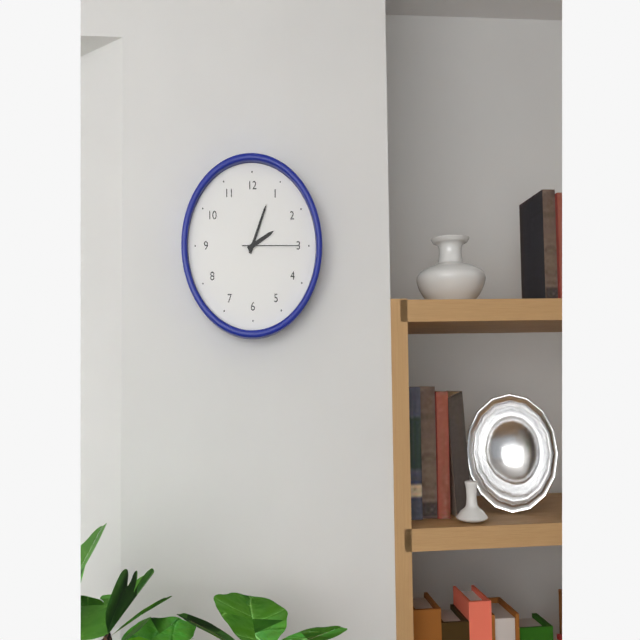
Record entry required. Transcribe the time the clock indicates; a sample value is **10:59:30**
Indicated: **2:04:15**
